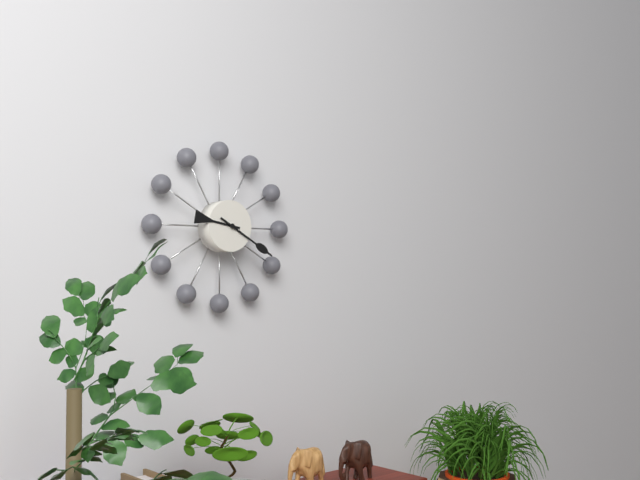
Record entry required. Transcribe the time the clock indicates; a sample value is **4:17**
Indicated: **9:20**
